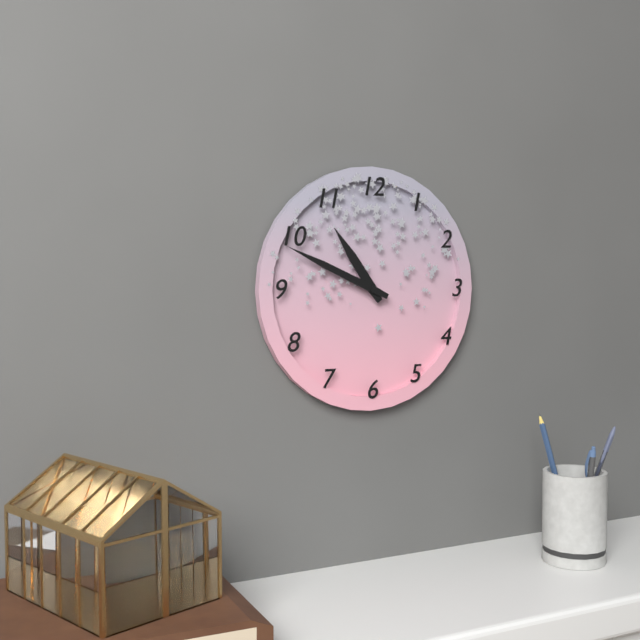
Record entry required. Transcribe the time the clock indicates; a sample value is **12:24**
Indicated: **10:49**
